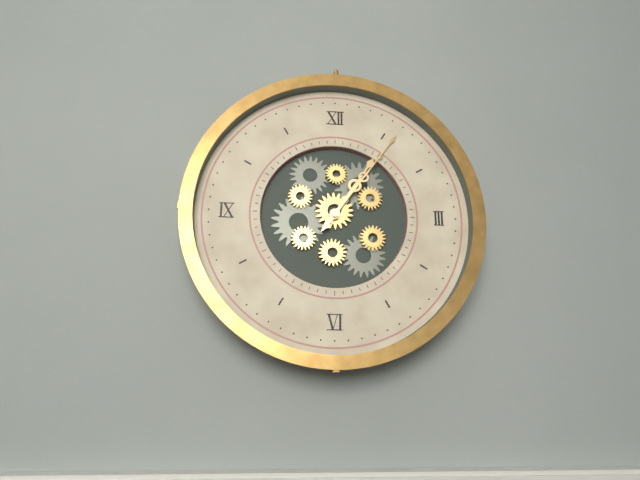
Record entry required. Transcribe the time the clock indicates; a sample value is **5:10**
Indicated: **1:06**
